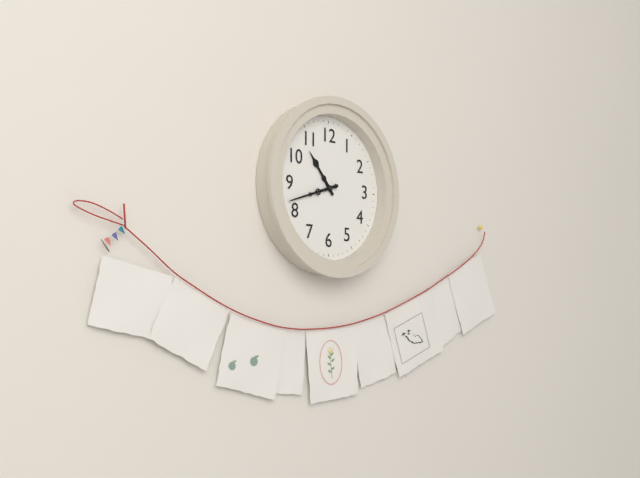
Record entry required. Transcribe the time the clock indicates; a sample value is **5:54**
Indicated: **10:42**
